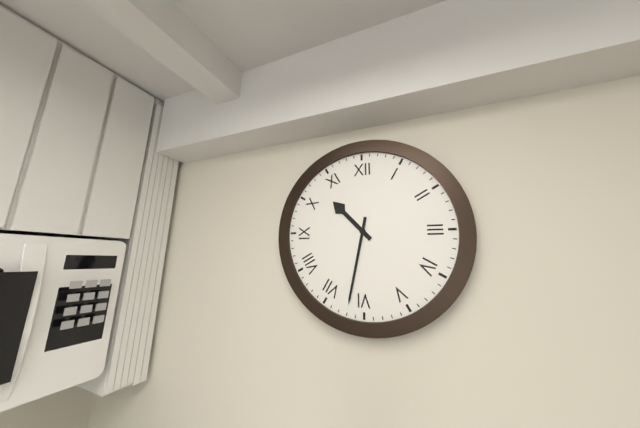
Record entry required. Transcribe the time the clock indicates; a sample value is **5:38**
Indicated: **10:32**
